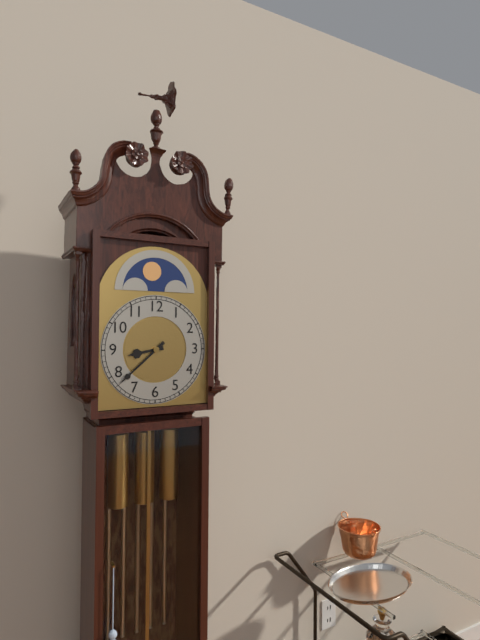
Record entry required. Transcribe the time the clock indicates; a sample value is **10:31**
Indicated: **8:38**
